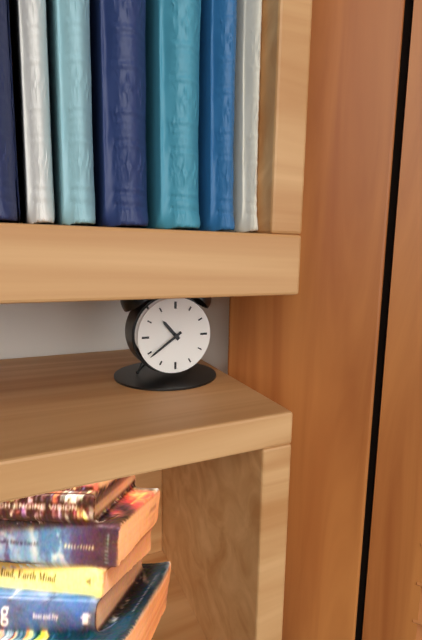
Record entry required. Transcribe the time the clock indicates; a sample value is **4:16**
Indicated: **10:39**
